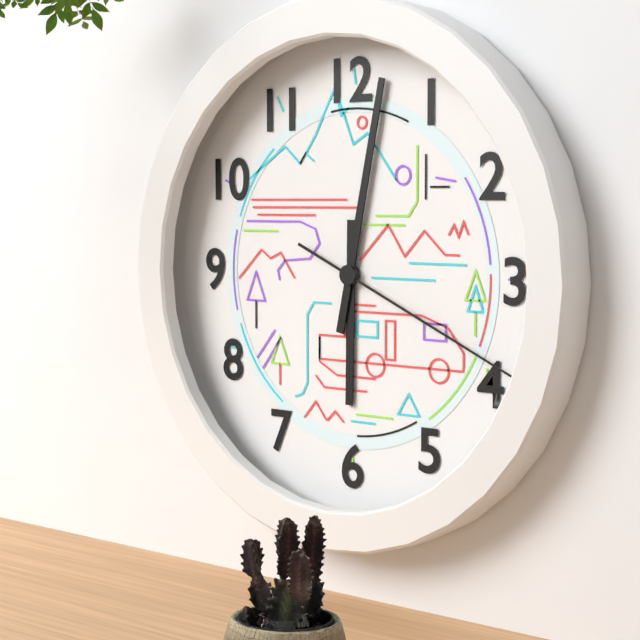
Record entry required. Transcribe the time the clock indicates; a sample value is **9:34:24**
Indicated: **6:02:19**
